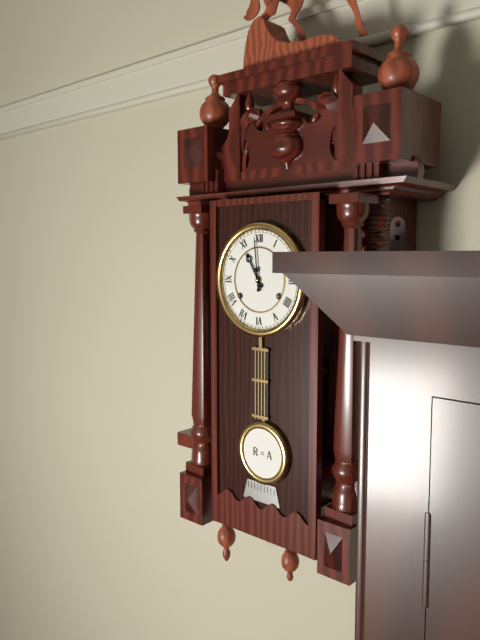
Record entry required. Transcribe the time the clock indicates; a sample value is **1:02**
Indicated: **10:59**
